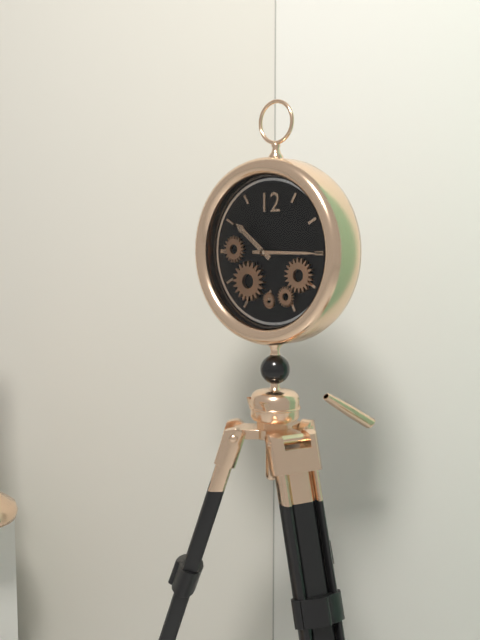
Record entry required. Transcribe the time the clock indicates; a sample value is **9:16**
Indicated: **10:15**
